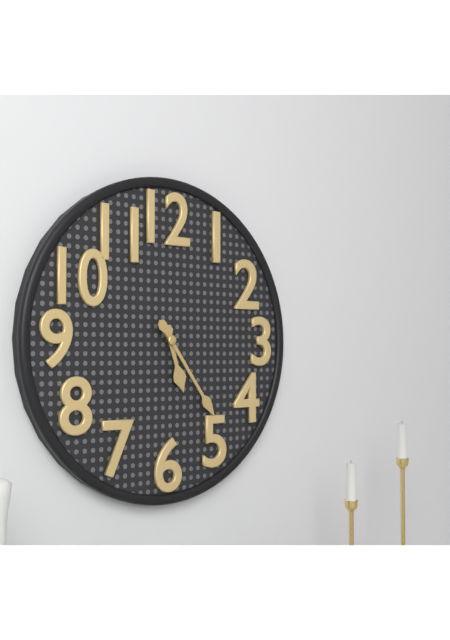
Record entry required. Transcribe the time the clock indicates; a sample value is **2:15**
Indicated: **5:24**
